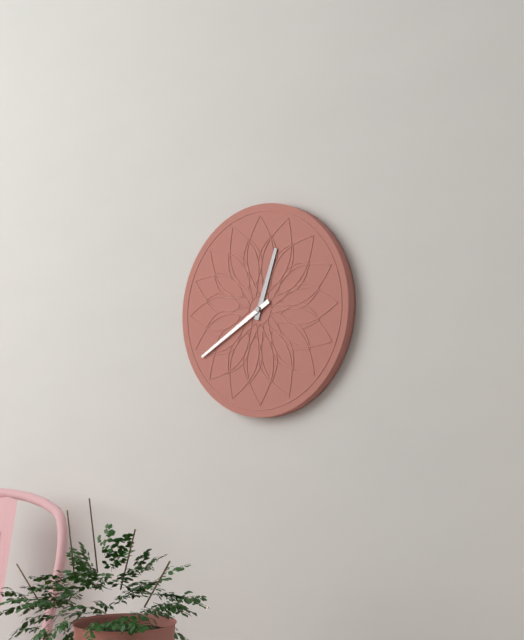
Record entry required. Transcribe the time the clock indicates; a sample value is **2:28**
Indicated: **12:40**
